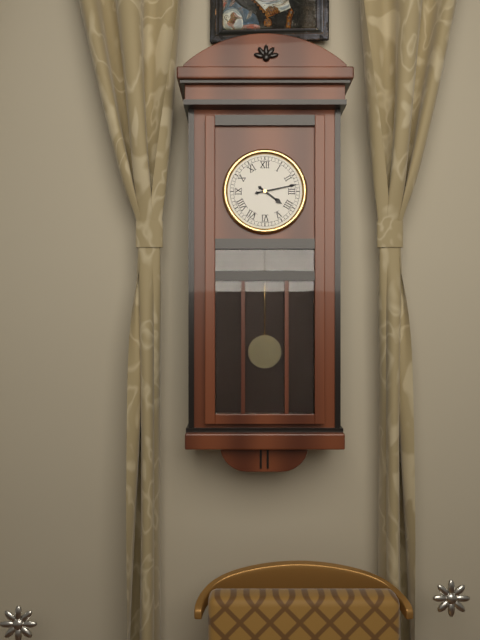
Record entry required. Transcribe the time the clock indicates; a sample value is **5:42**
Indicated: **4:13**
